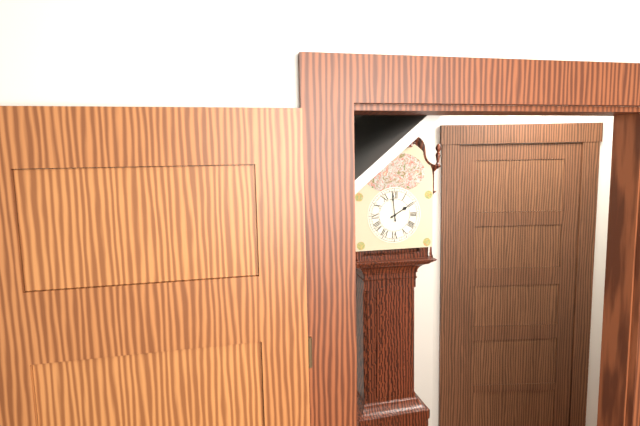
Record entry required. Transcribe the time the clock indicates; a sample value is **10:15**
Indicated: **1:59**
